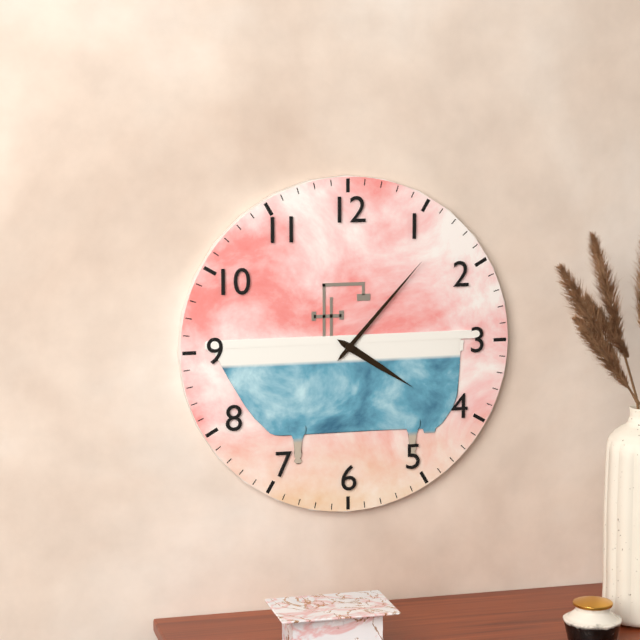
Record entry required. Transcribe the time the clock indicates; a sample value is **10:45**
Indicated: **4:07**
